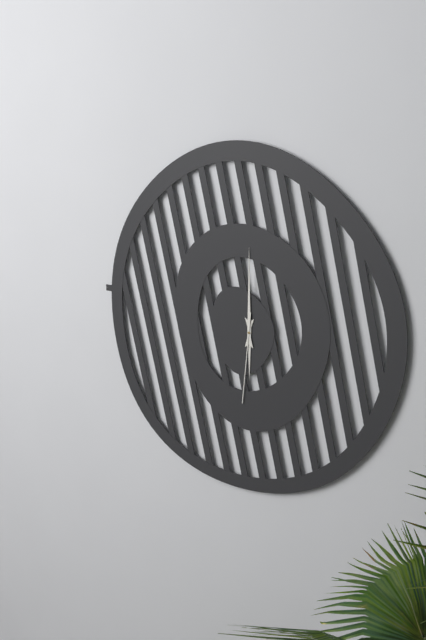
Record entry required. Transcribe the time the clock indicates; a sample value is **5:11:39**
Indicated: **6:00:31**
